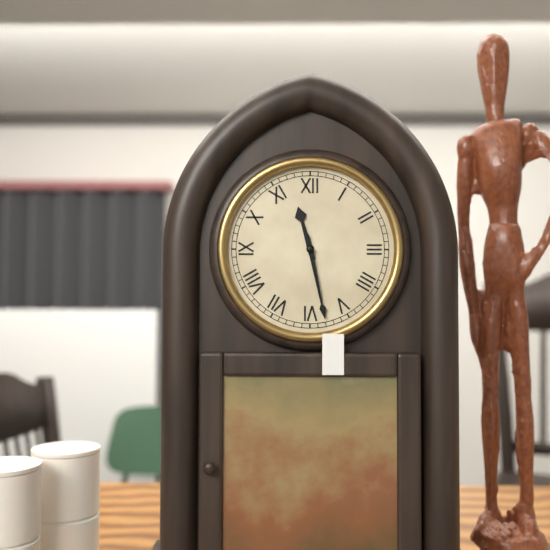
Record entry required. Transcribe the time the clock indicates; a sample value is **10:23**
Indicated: **11:28**
